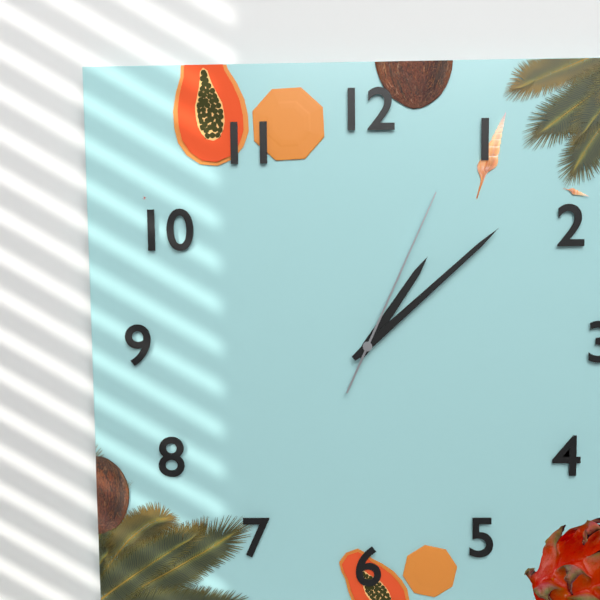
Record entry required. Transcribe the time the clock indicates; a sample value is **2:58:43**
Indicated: **1:08:04**
